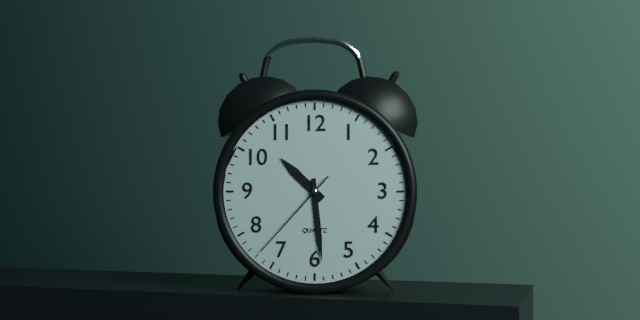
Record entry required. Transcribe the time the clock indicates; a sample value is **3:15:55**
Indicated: **10:29:37**
